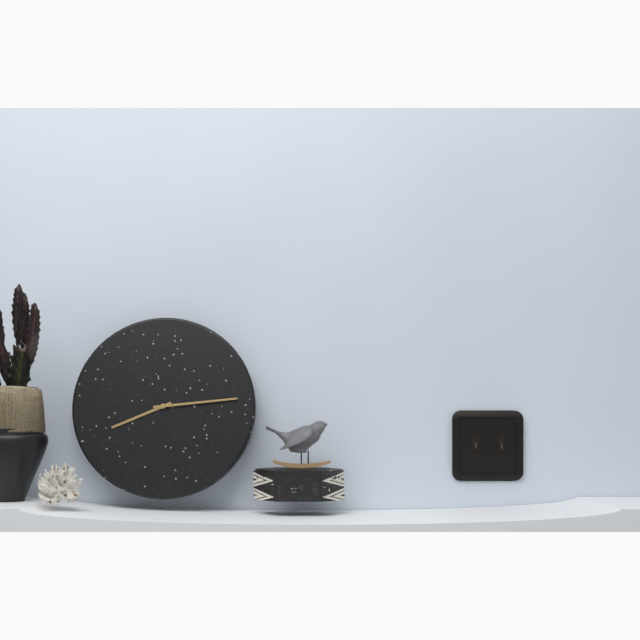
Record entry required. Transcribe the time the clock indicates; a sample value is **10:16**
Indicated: **8:14**
